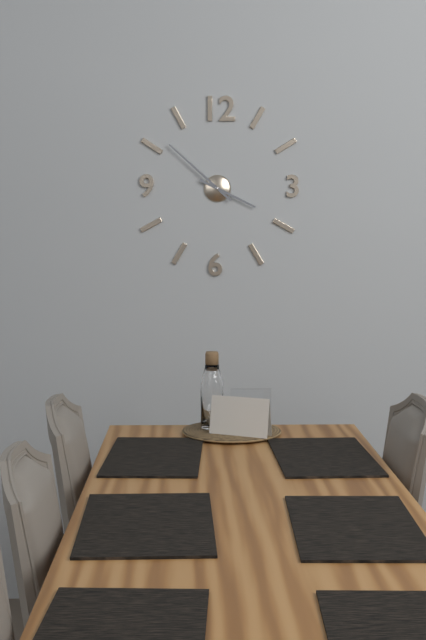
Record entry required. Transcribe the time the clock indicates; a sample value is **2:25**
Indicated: **3:52**
